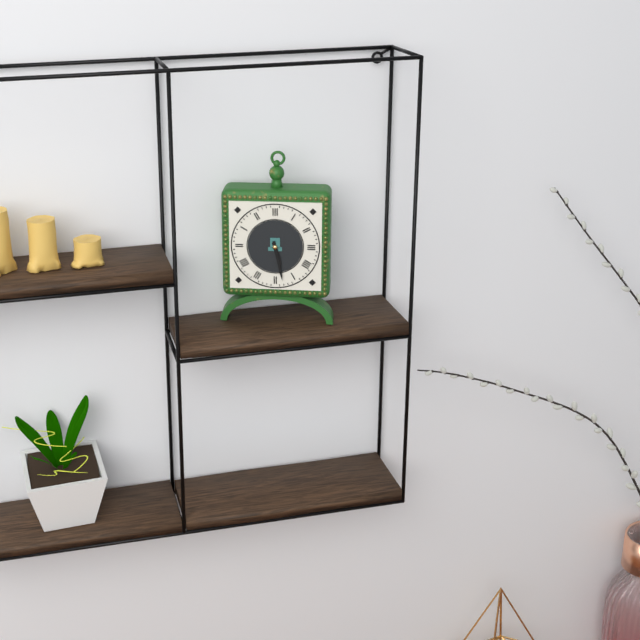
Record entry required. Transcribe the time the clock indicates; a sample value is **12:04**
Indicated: **5:28**
